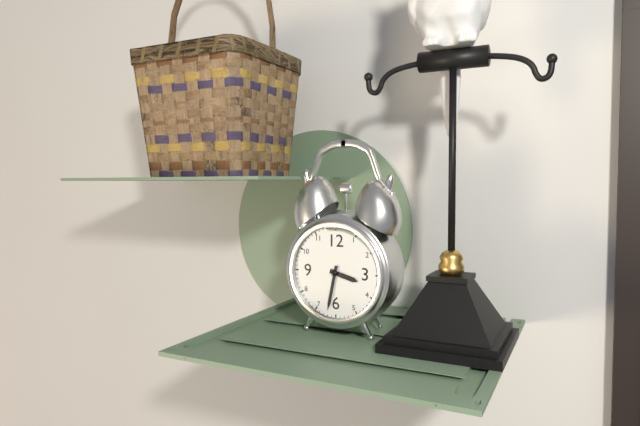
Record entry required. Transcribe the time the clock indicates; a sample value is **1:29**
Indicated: **3:32**
